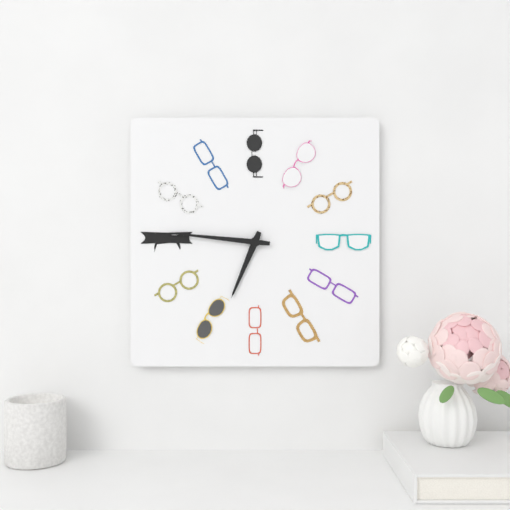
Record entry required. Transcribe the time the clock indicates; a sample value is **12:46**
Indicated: **6:46**
